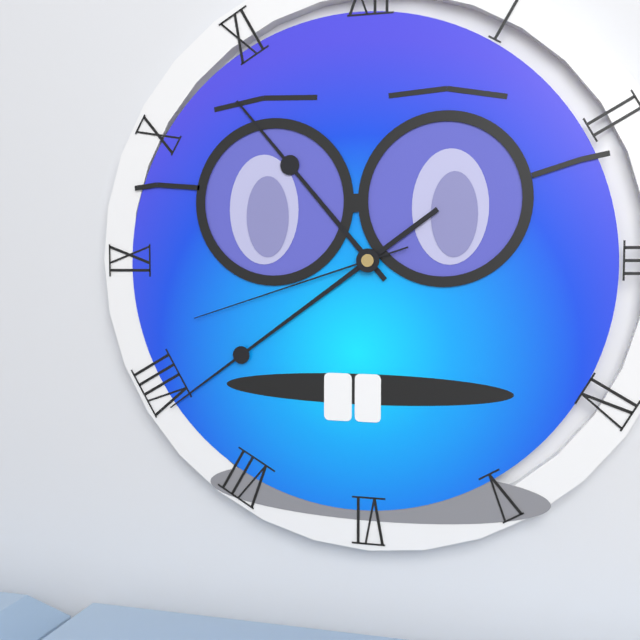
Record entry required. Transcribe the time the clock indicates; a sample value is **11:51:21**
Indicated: **10:39:42**
